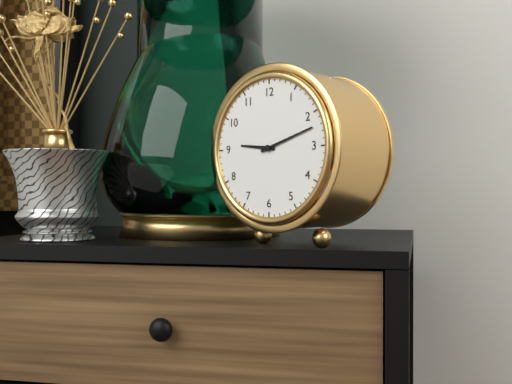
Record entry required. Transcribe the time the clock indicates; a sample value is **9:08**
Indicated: **9:12**
